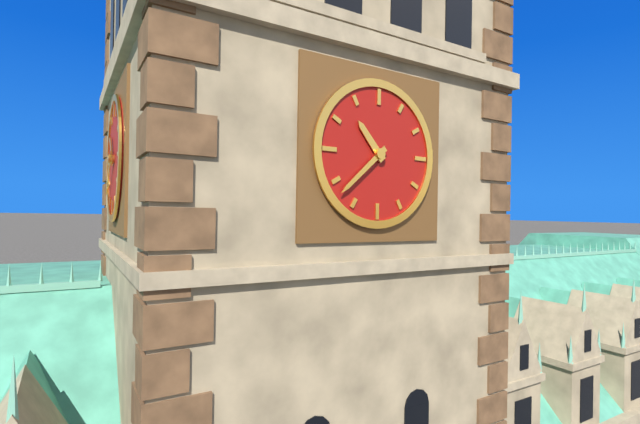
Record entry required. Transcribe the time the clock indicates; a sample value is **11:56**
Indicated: **10:38**
